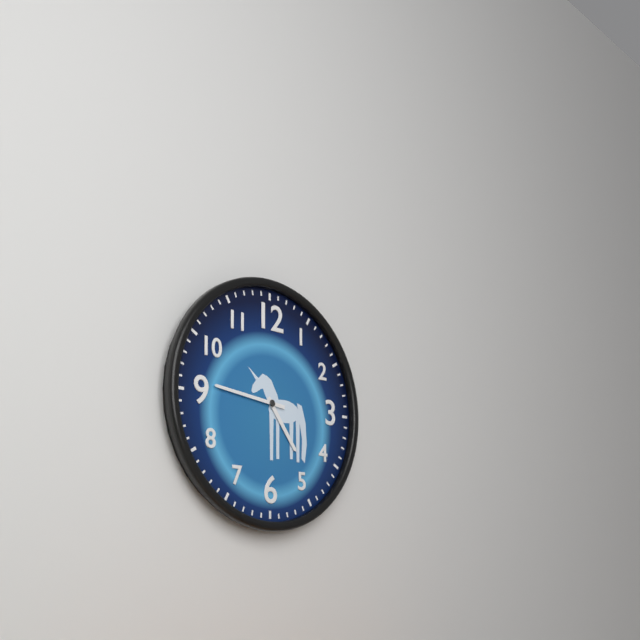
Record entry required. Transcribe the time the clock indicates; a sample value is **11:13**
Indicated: **4:46**
